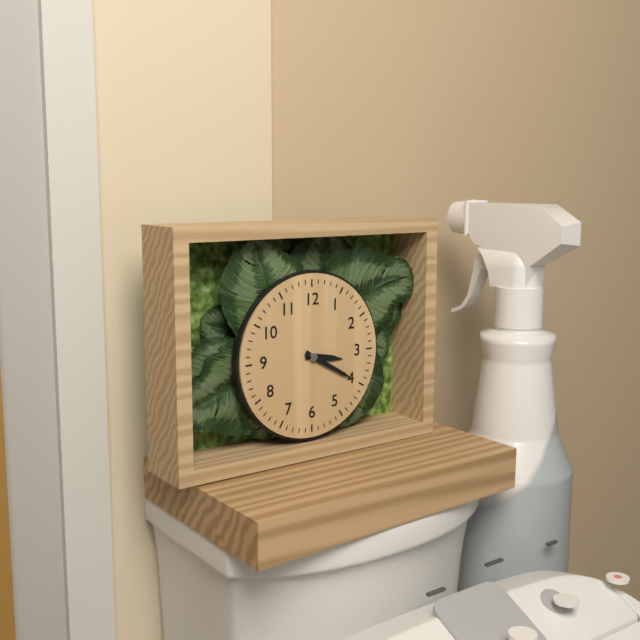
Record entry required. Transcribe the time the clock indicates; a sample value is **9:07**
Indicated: **3:20**
